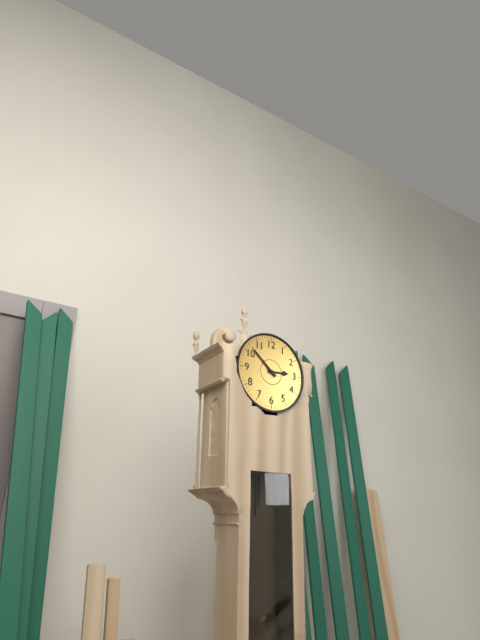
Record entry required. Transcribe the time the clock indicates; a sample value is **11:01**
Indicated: **2:52**
